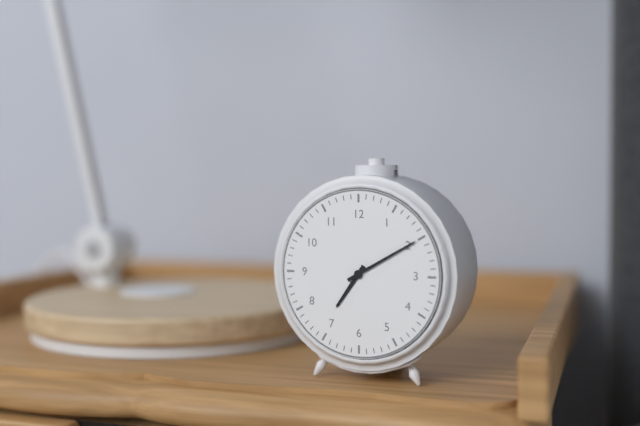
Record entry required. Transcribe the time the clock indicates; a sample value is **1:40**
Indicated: **7:10**
